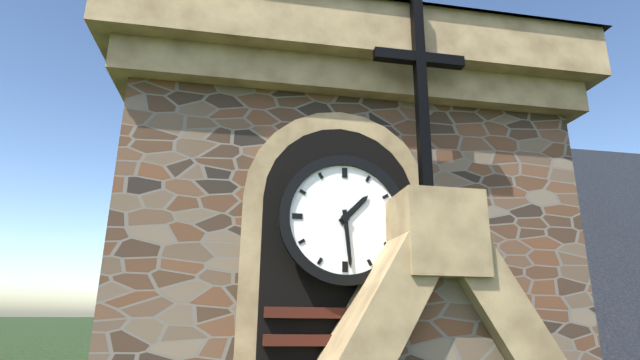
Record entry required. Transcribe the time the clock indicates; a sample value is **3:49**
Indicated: **1:29**
